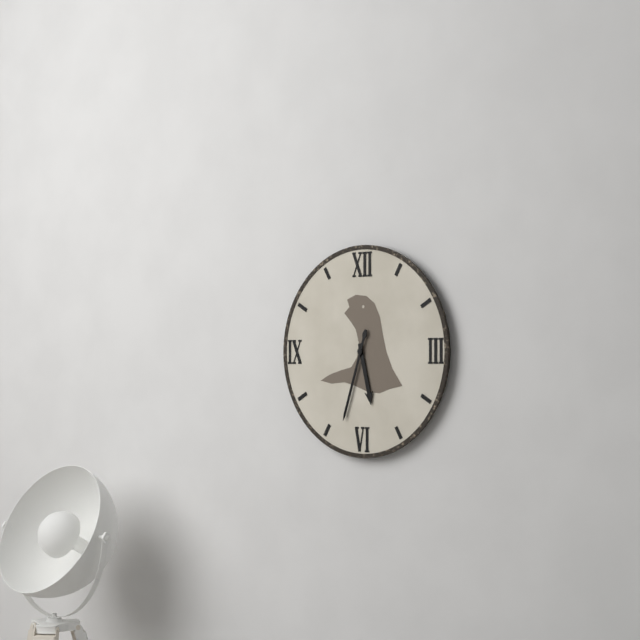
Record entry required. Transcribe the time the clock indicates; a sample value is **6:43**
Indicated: **5:33**
